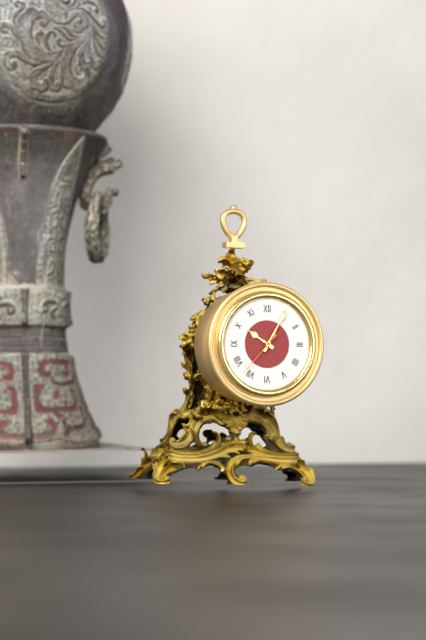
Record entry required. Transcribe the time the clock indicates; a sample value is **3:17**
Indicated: **10:05**
